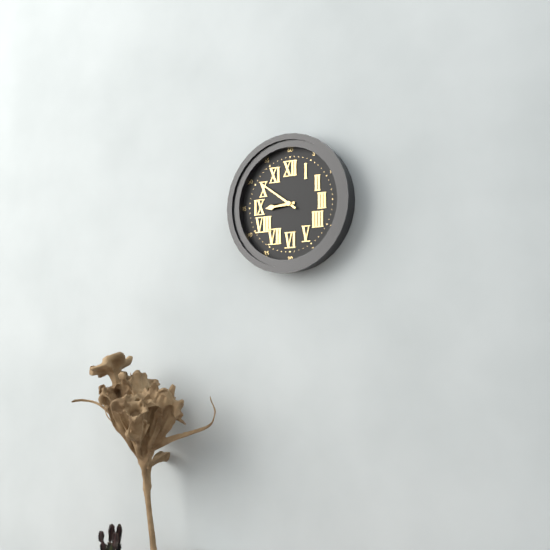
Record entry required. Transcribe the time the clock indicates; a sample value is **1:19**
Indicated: **8:51**
